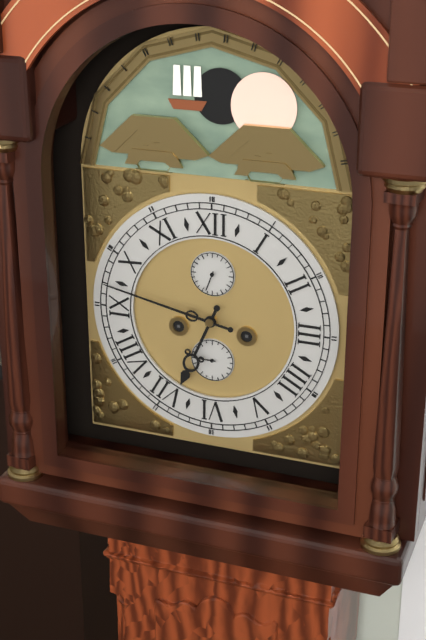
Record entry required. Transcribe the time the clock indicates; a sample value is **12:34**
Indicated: **6:47**
